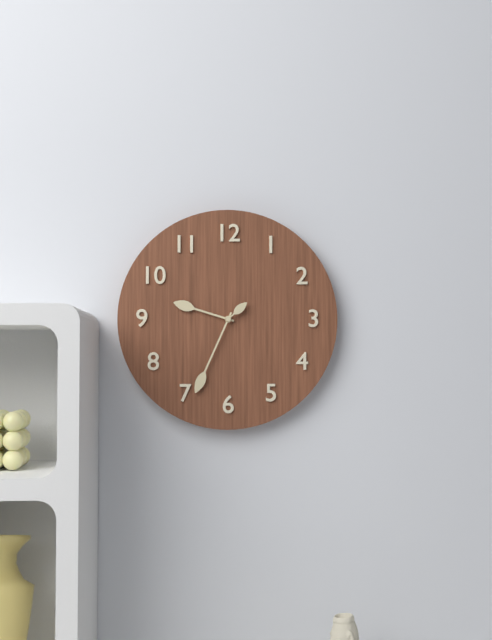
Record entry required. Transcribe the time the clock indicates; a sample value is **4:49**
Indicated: **9:34**
